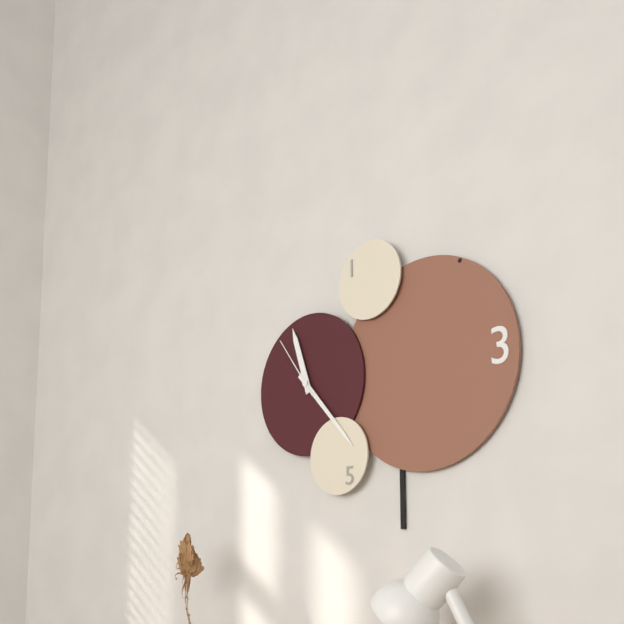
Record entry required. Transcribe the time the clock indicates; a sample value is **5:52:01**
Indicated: **11:23:54**
